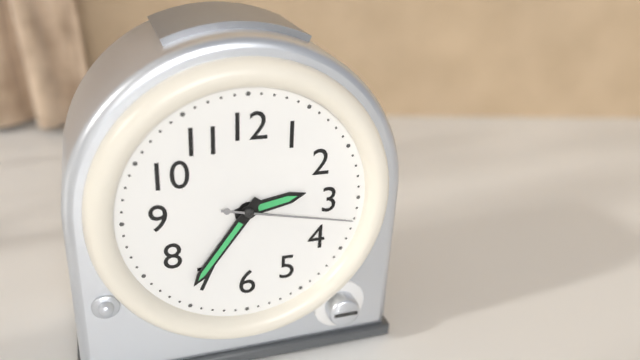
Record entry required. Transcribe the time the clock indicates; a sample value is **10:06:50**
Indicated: **2:36:17**
